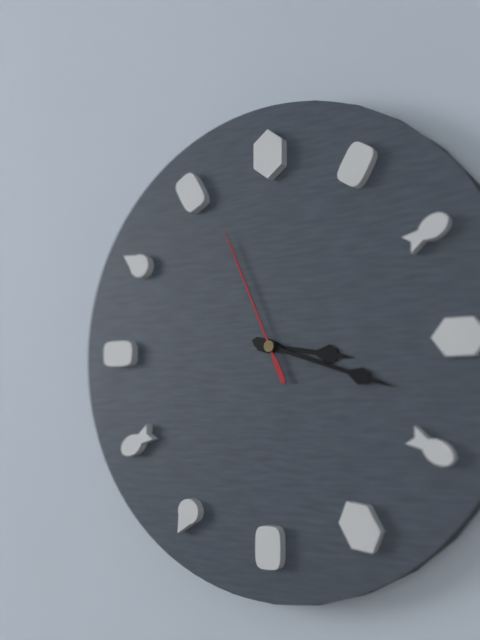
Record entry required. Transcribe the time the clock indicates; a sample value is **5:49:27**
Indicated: **3:18:56**
